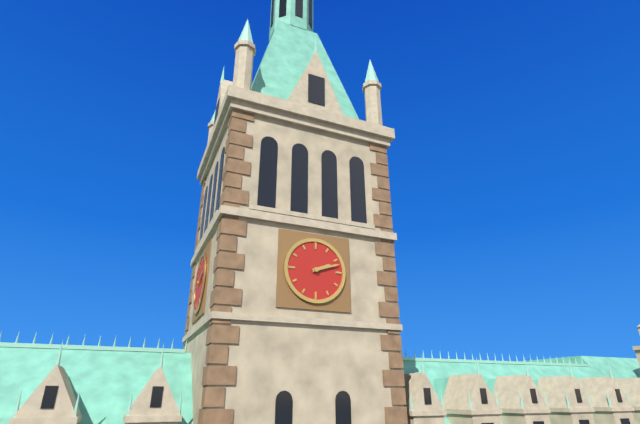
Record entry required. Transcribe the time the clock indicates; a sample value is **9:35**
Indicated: **2:12**
